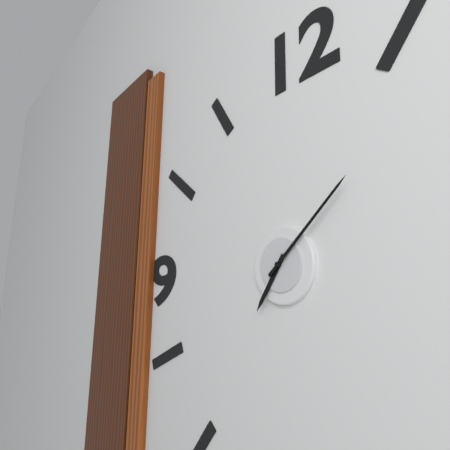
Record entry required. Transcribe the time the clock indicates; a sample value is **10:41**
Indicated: **7:08**
